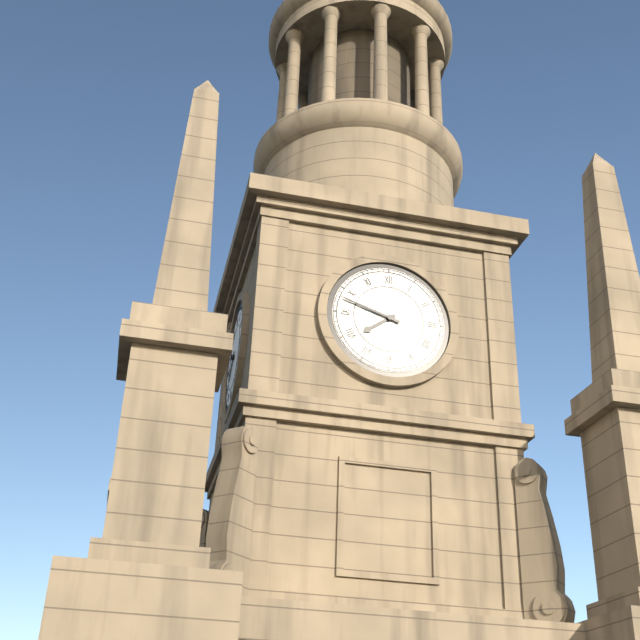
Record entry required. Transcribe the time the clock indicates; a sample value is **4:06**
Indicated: **7:48**
